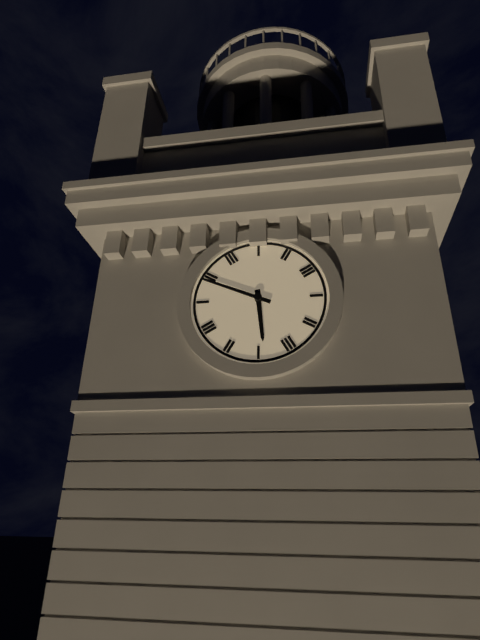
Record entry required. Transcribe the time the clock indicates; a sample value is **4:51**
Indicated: **5:49**
